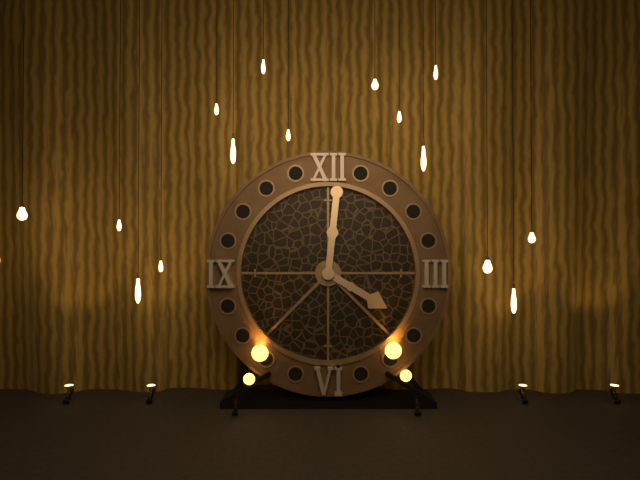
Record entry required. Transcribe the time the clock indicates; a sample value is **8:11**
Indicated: **4:01**
